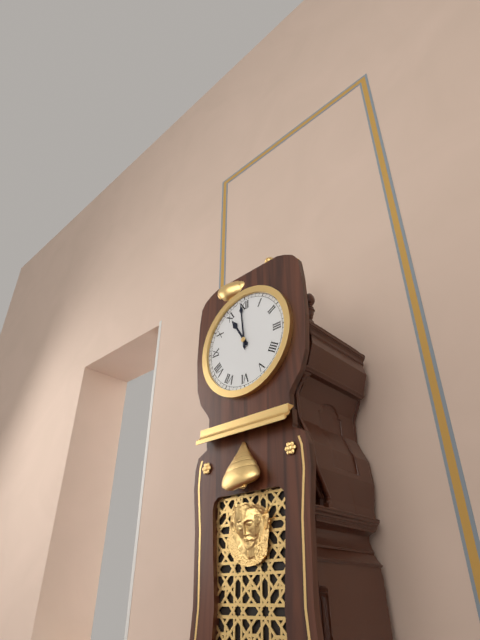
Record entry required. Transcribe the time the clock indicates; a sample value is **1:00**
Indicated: **10:59**
